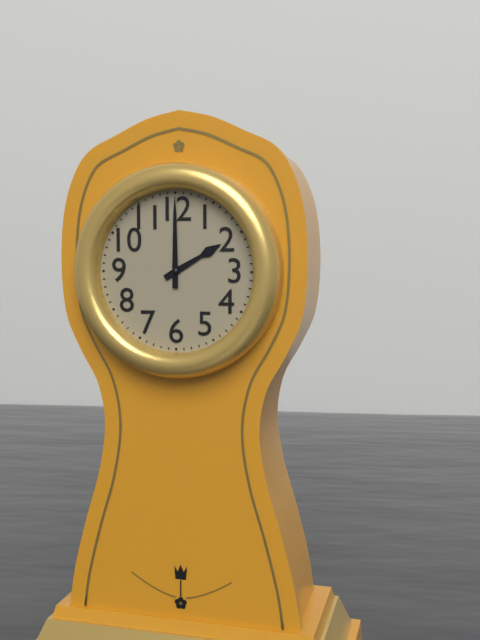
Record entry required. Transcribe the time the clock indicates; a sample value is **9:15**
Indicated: **2:00**
